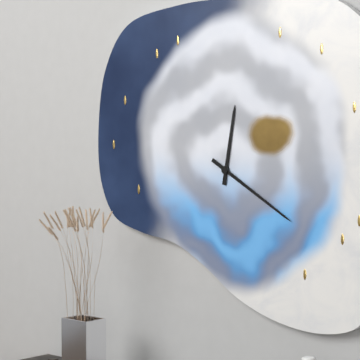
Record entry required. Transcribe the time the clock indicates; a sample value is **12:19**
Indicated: **12:20**
